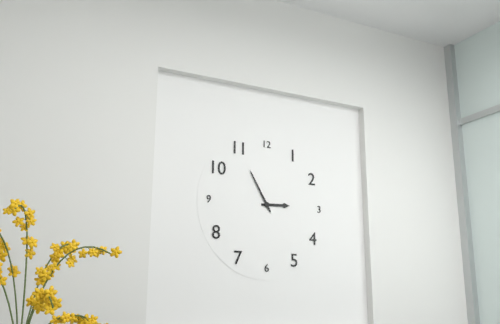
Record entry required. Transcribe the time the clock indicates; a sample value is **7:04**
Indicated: **2:55**
